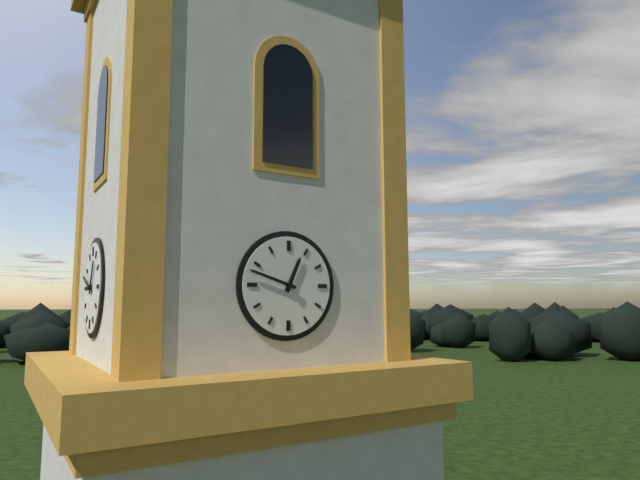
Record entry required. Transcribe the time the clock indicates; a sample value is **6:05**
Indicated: **12:48**
